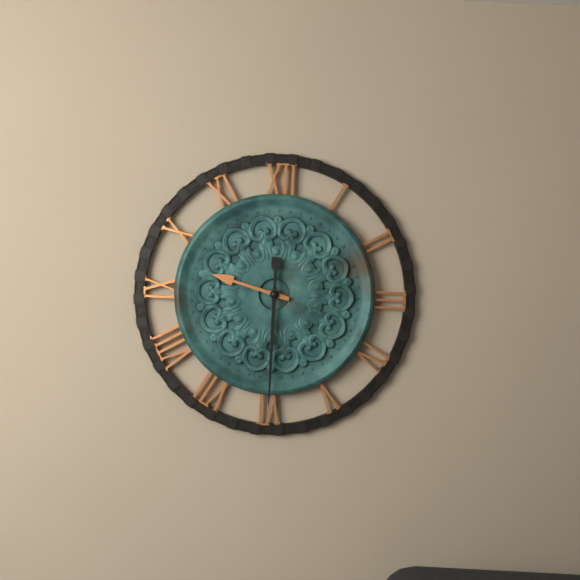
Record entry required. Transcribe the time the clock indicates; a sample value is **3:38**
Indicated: **9:30**
